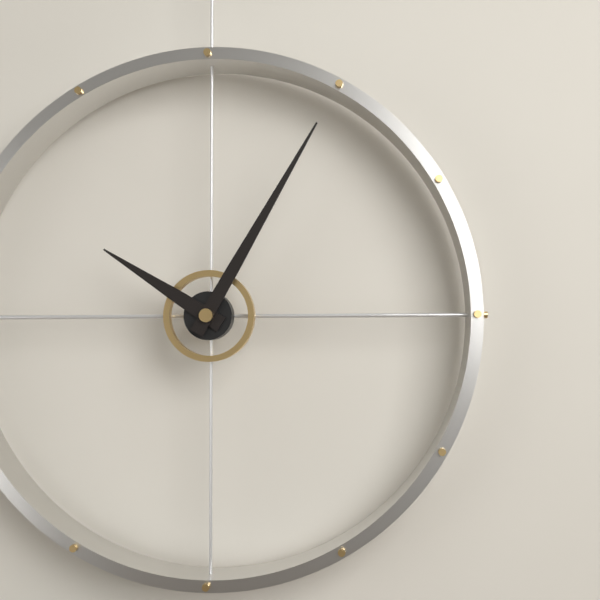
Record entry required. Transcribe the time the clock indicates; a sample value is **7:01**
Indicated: **10:05**
